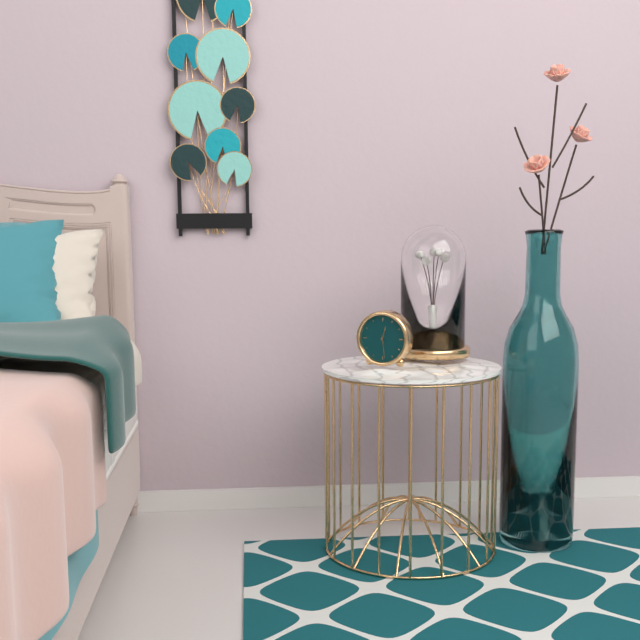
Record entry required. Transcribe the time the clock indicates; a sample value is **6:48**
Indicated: **12:29**
